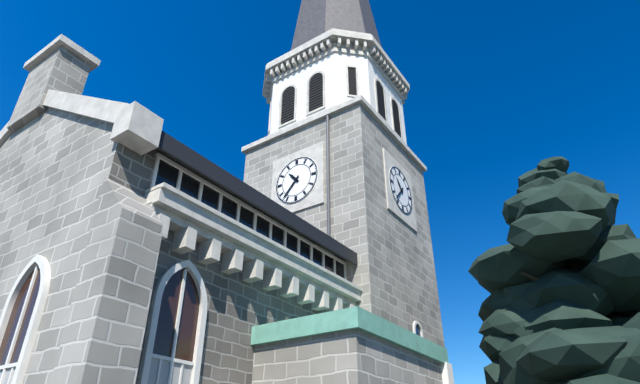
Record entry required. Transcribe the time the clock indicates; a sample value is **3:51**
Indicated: **10:37**
